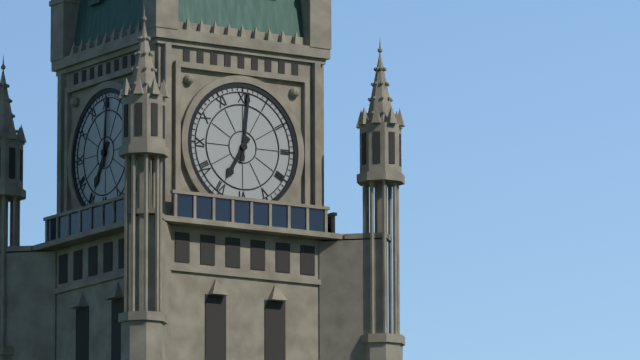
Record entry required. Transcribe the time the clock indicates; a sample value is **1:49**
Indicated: **7:01**
